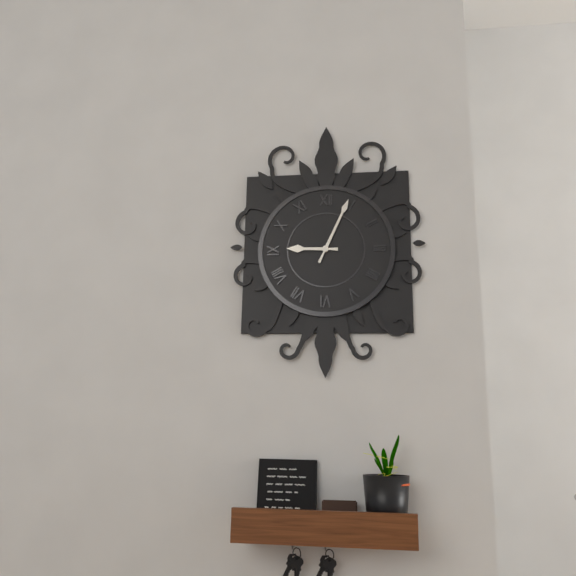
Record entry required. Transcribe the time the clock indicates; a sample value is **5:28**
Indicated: **9:04**
